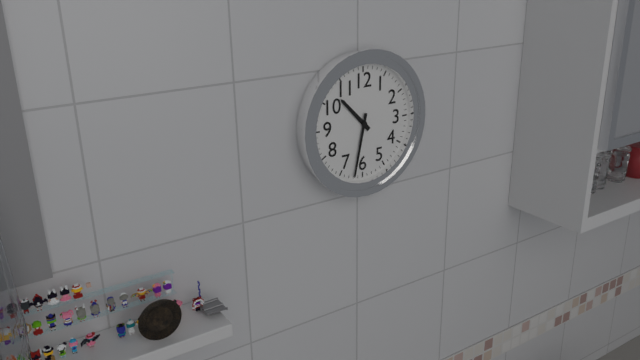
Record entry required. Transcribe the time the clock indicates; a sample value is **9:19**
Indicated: **10:32**
